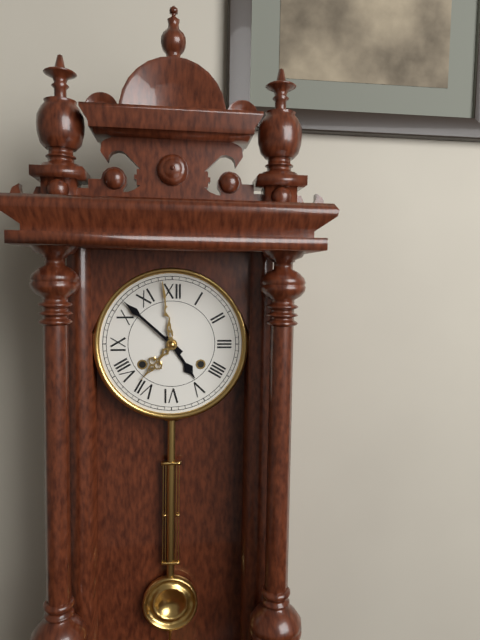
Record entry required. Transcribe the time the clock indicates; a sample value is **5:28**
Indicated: **4:52**
